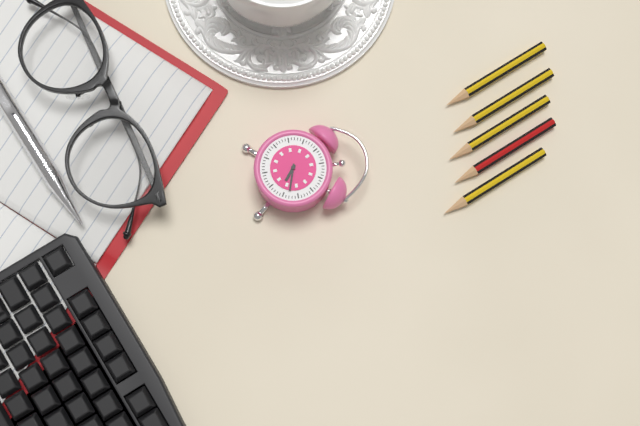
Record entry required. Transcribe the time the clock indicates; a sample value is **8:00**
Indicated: **4:18**
